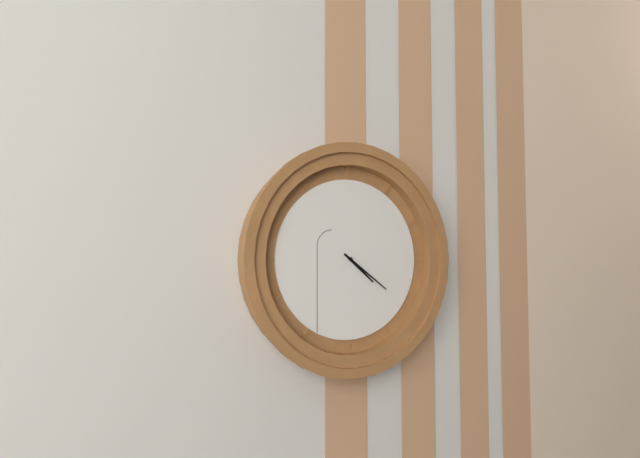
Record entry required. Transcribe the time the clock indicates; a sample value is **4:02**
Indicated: **4:21**
